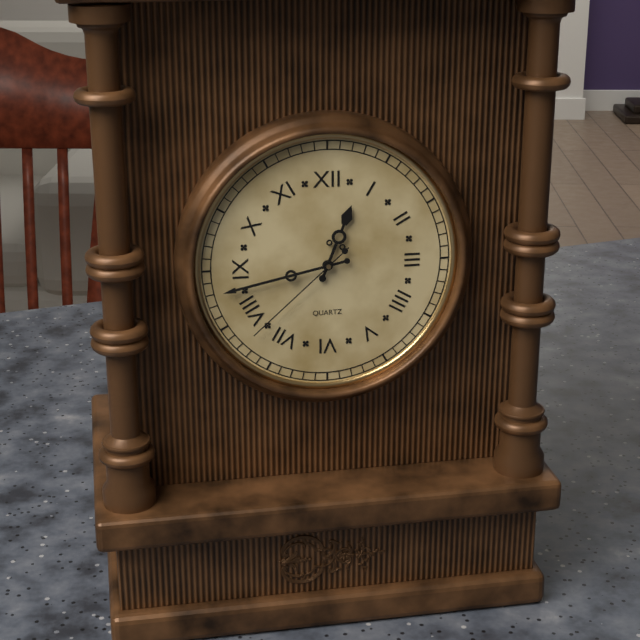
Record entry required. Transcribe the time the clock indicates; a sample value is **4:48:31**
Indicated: **12:43:38**
